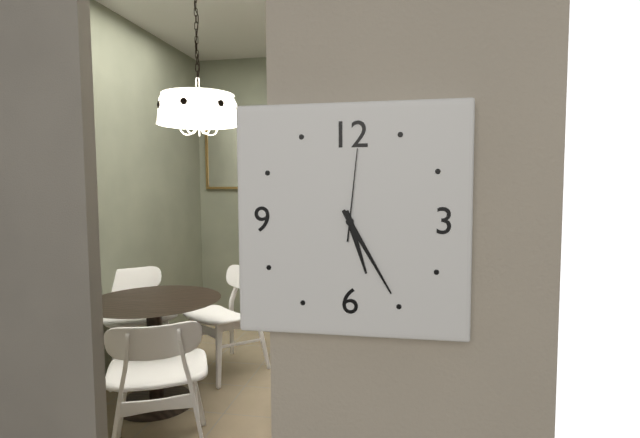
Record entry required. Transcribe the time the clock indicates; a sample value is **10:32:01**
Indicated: **5:25:01**
